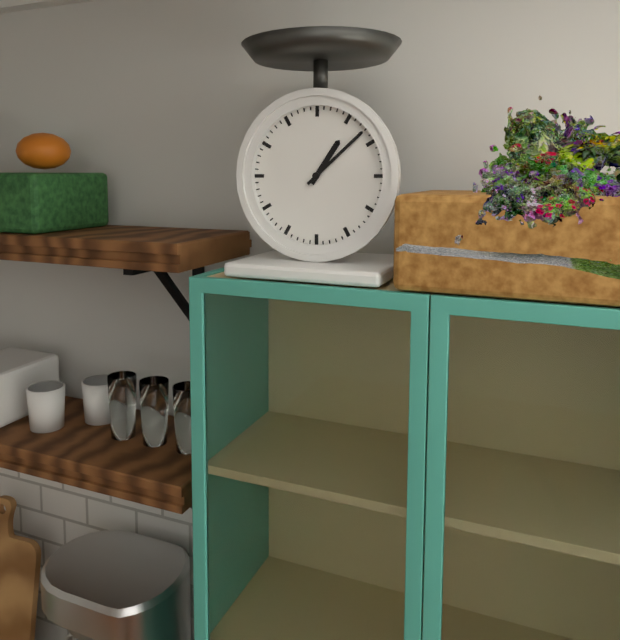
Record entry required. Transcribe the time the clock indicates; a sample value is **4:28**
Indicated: **1:08**
